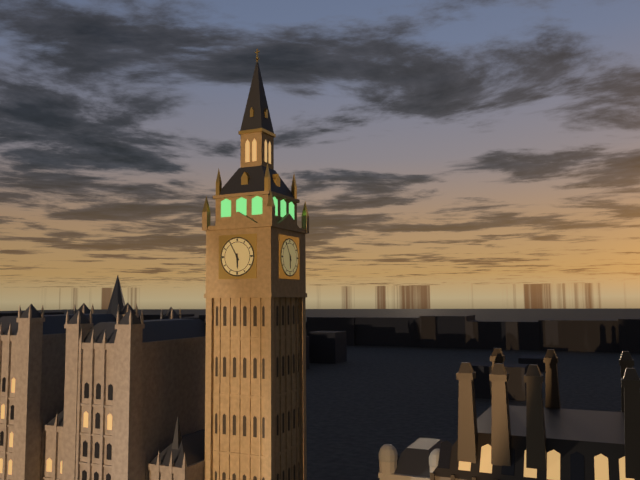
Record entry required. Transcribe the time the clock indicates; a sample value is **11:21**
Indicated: **5:55**
